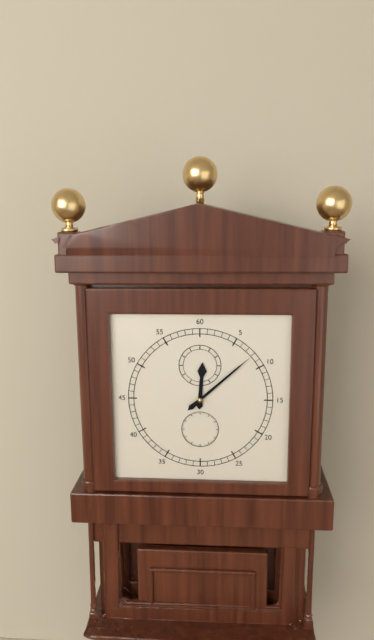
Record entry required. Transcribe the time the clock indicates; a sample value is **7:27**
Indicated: **12:08**
